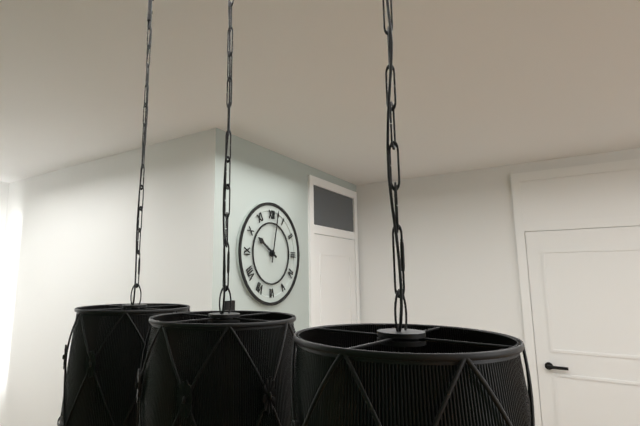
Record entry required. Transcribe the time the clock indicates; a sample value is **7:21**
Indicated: **10:02**
